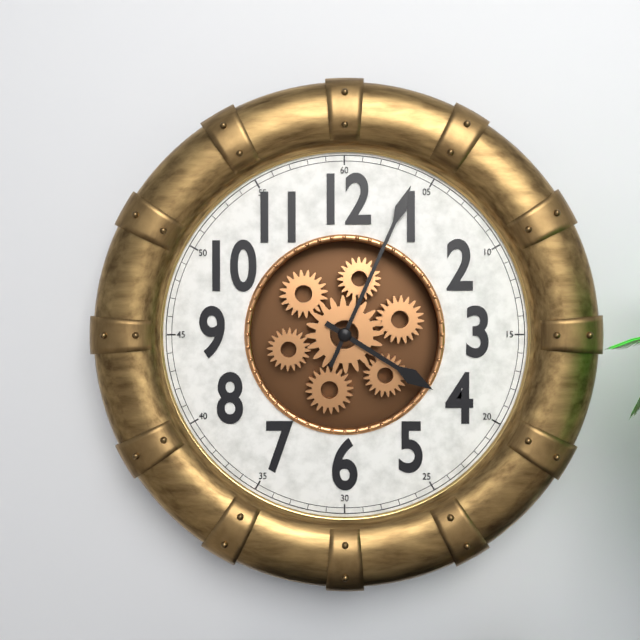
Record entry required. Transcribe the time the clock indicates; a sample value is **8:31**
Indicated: **4:04**
